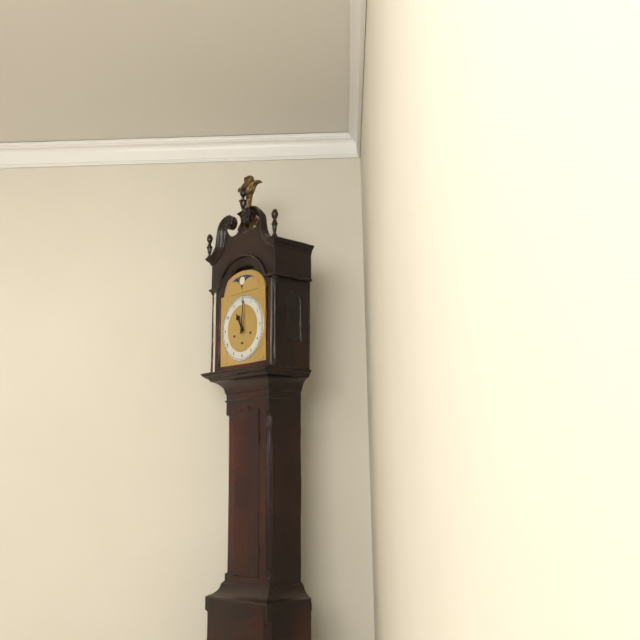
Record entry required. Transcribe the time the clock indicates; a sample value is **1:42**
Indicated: **11:01**
